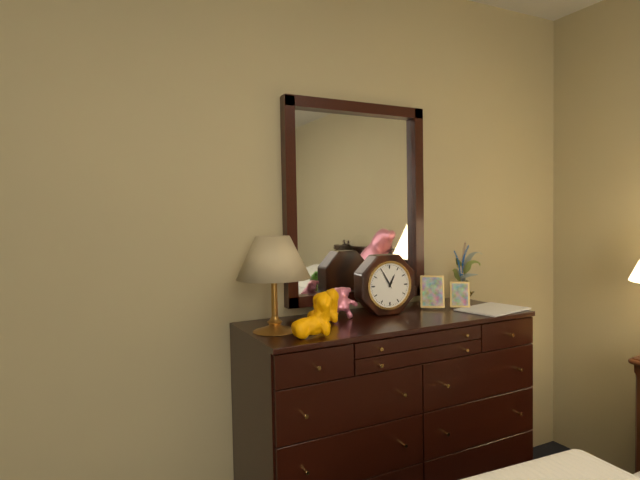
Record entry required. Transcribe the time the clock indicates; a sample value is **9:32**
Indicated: **12:55**
